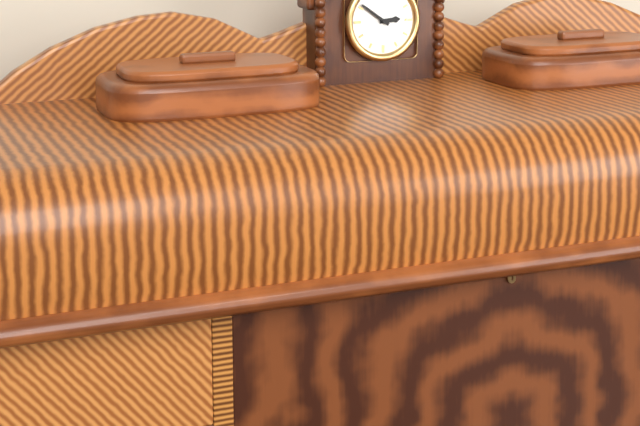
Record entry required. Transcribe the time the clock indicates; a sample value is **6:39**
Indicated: **2:51**
